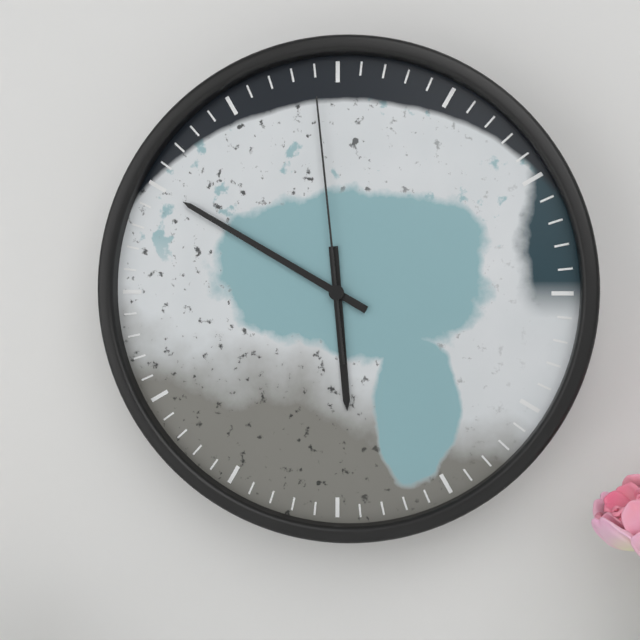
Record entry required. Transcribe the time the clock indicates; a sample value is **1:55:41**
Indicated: **5:50:59**
